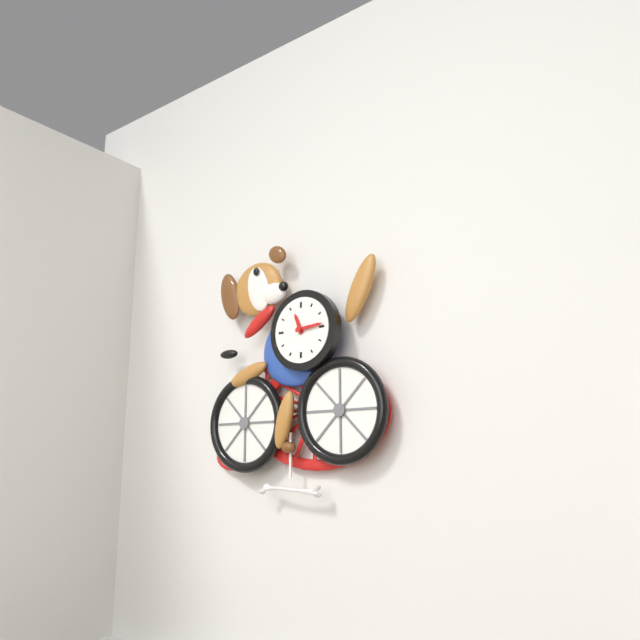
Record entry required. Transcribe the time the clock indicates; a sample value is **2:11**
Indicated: **11:14**
